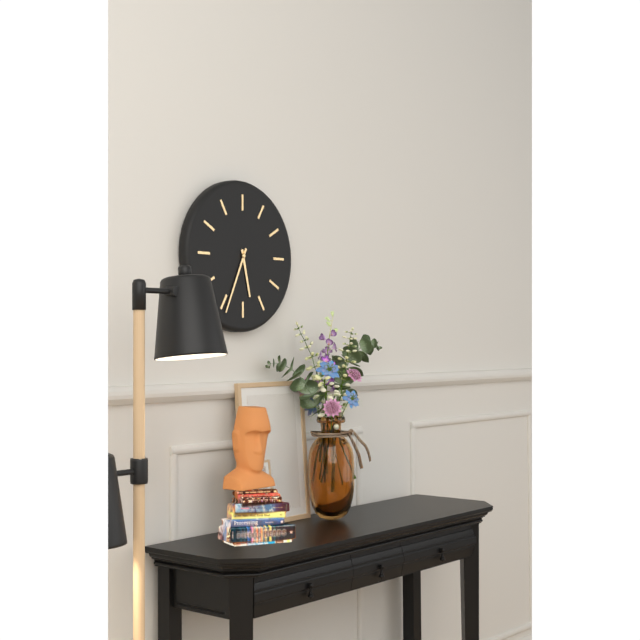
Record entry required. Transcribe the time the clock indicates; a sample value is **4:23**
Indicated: **5:34**
